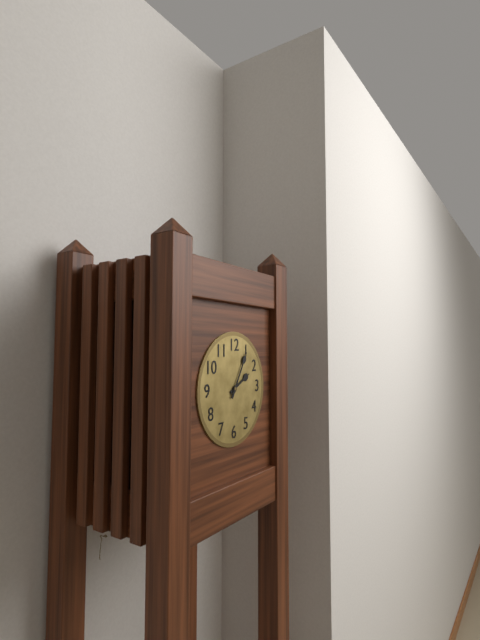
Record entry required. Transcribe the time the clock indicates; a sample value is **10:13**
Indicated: **2:05**
